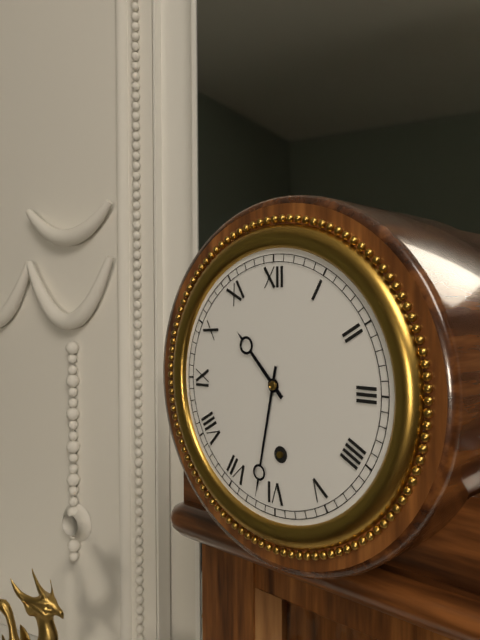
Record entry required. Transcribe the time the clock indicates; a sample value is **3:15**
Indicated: **10:32**
